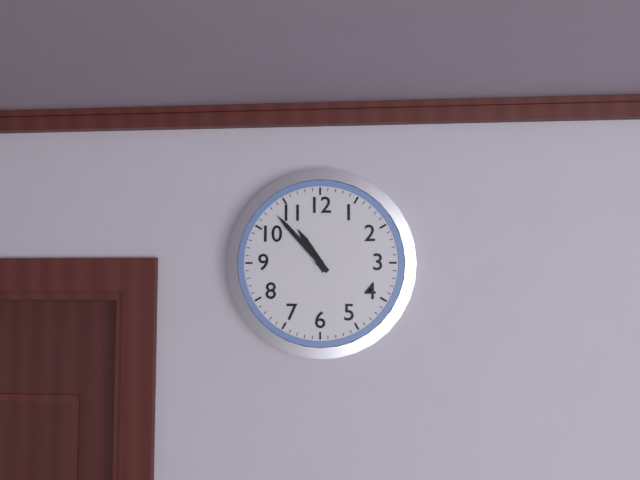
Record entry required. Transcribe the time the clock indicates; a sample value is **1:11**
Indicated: **10:53**
